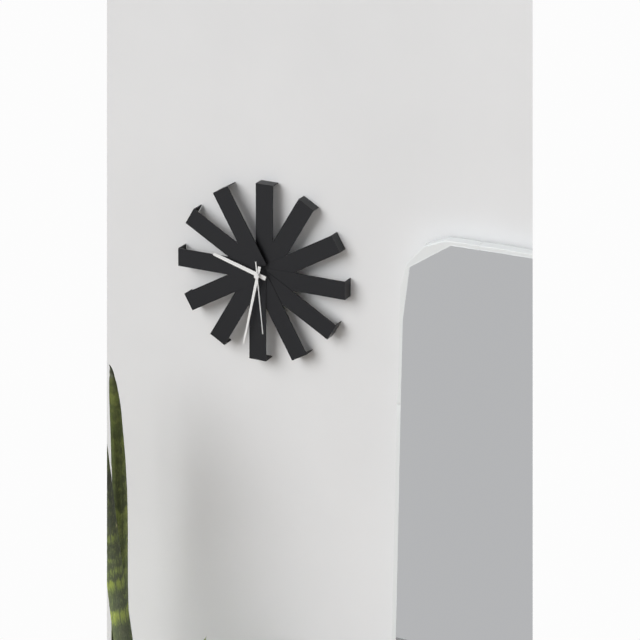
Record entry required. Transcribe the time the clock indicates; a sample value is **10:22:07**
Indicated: **9:32:29**
